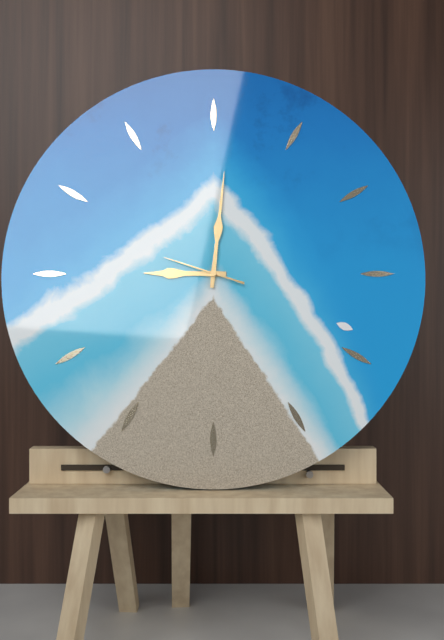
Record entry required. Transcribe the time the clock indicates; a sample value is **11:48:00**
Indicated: **9:01:48**
